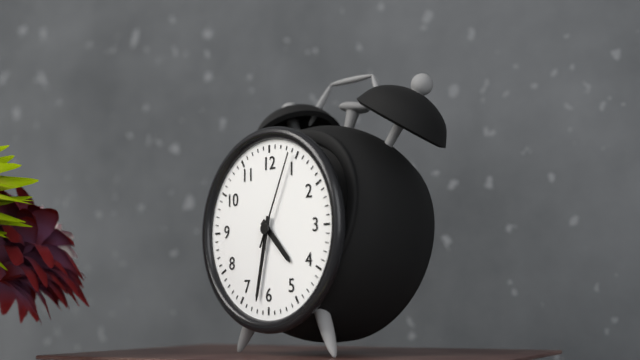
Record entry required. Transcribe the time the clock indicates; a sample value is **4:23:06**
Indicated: **4:32:04**
